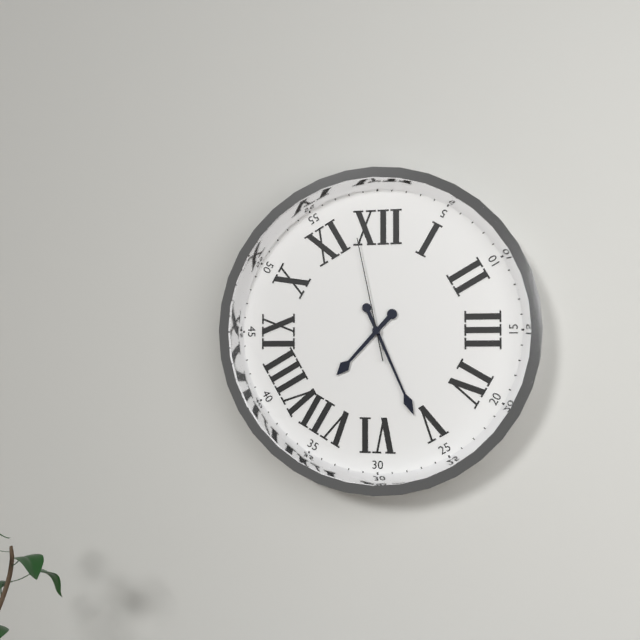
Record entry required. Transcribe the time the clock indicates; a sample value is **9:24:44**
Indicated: **7:26:58**
